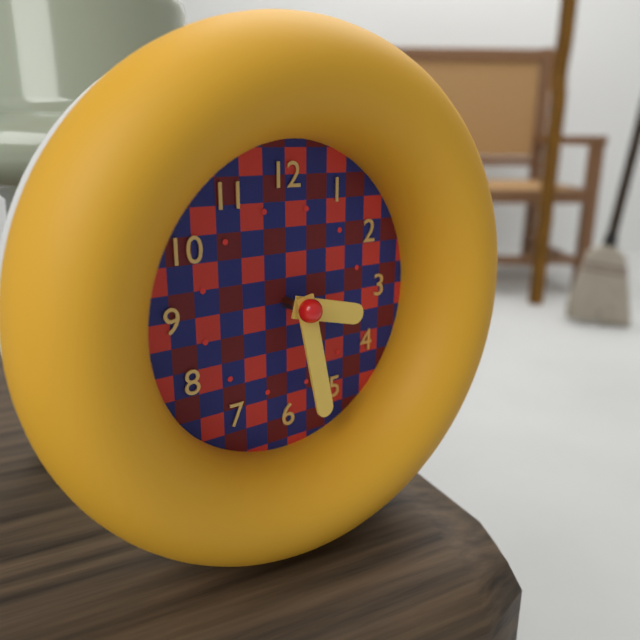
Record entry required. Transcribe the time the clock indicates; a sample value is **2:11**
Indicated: **3:28**
